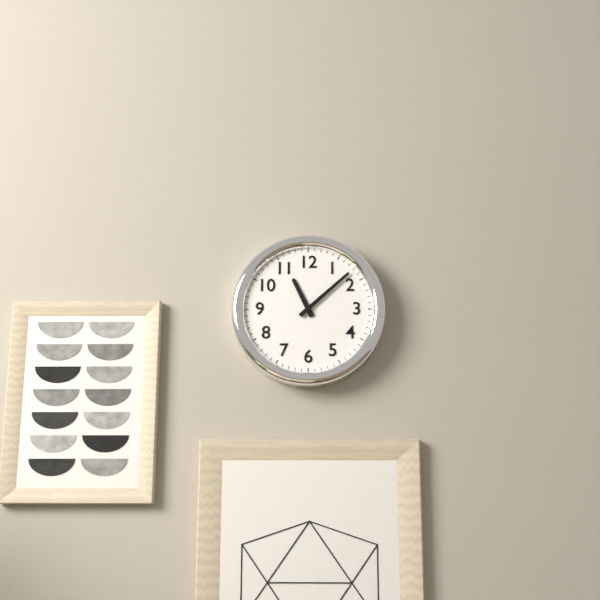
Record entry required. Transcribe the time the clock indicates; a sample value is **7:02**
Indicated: **11:08**
